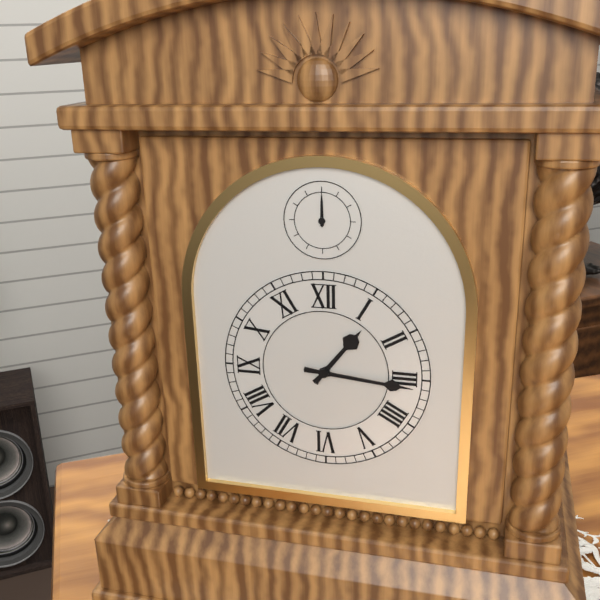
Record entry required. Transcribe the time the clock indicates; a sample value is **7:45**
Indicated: **1:16**
